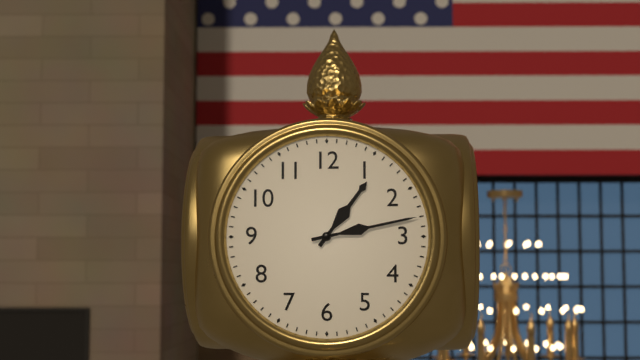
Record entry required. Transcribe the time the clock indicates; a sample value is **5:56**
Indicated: **1:13**
